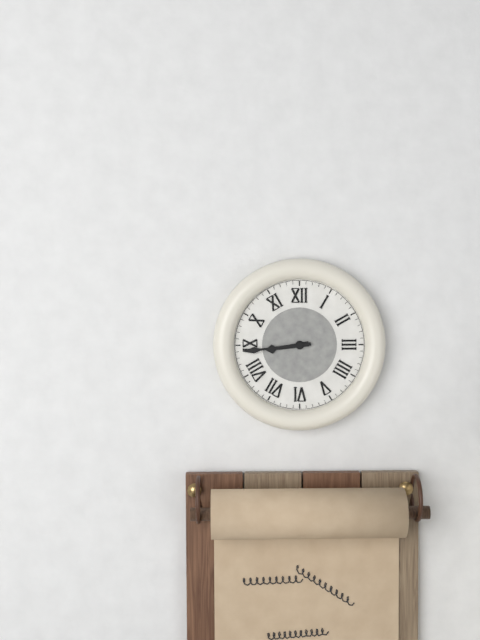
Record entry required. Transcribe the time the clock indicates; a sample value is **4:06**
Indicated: **8:44**
